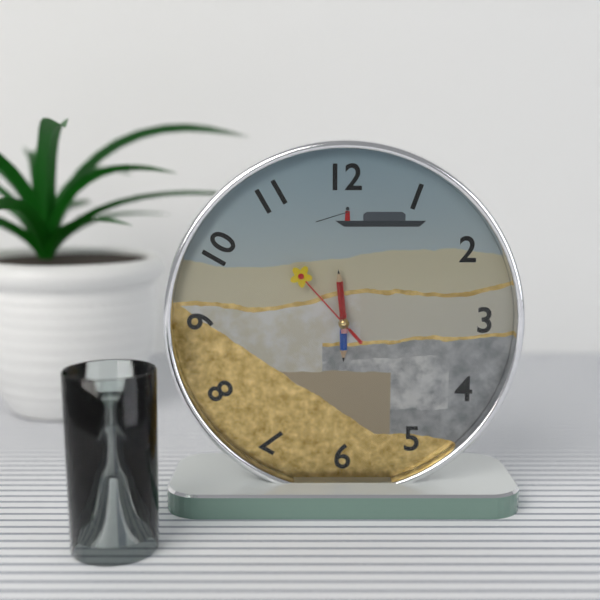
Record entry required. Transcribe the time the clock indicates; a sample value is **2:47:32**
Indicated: **5:59:53**
